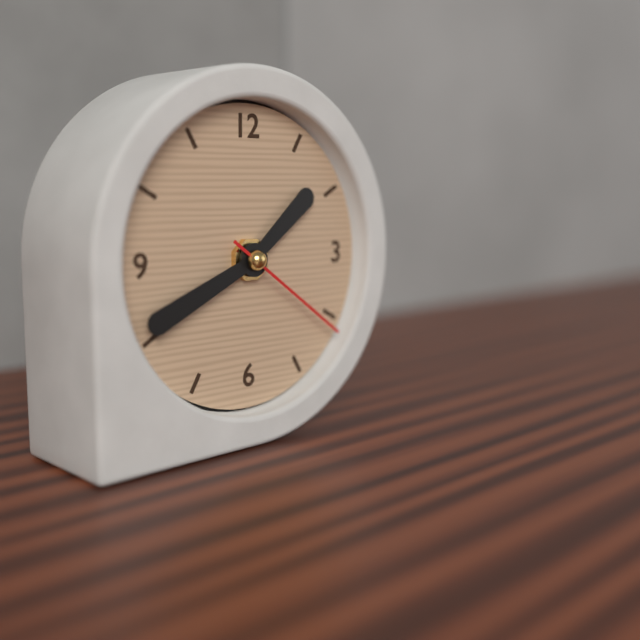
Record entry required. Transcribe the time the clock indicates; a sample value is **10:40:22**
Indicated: **1:41:21**
